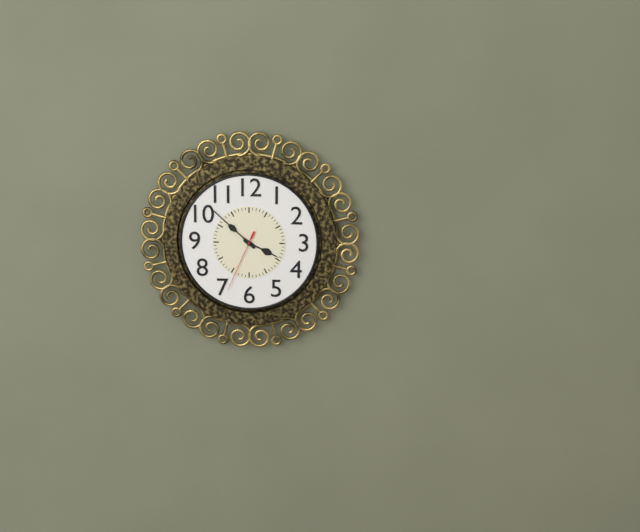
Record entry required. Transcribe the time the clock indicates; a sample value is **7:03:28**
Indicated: **3:52:34**
